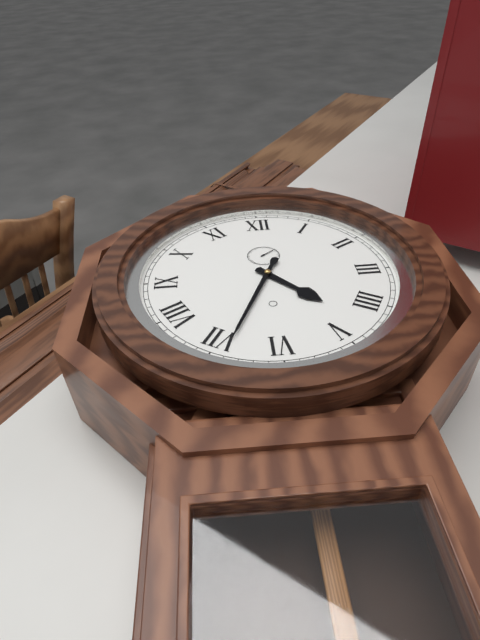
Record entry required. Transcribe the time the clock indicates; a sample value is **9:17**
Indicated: **4:34**
